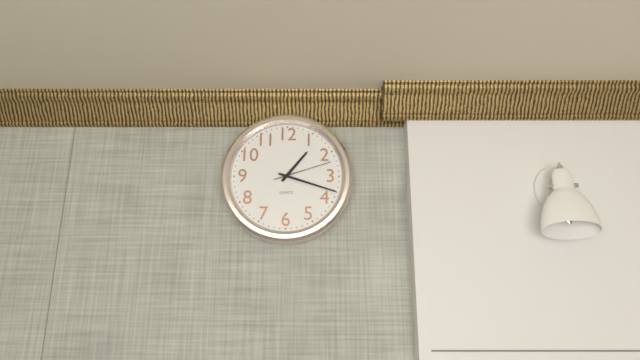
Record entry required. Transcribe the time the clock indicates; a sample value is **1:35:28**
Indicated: **1:18:12**
